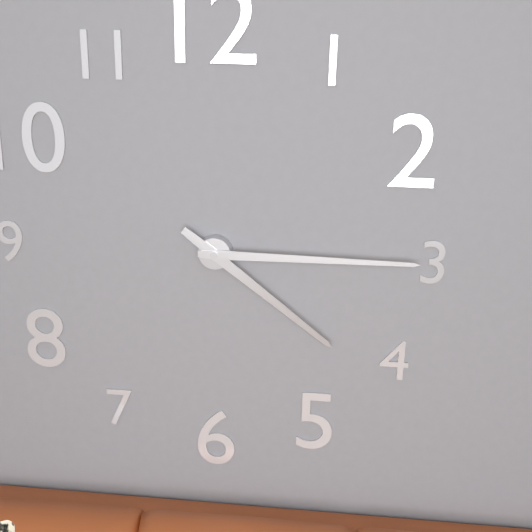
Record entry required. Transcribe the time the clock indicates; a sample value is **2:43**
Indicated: **4:15**
